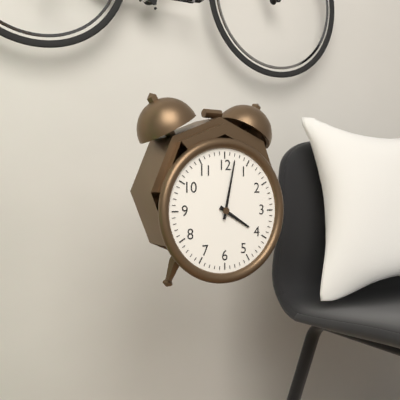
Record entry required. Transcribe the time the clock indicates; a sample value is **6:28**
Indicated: **4:02**
